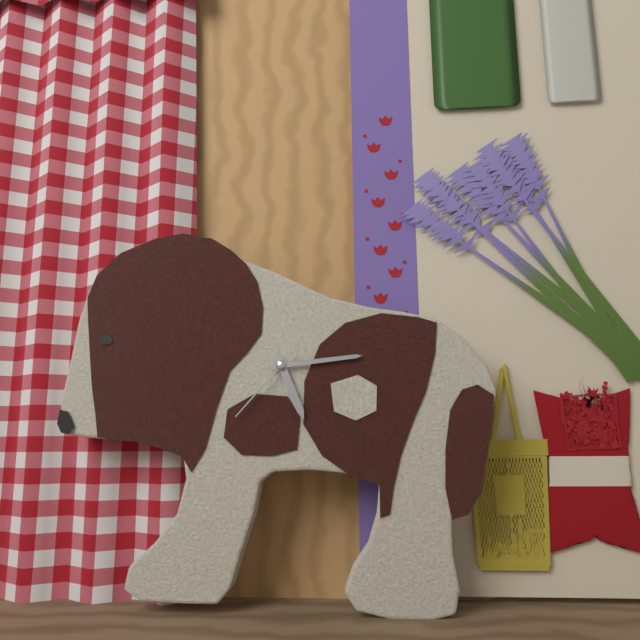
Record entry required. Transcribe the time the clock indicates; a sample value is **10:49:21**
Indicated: **5:14:37**
